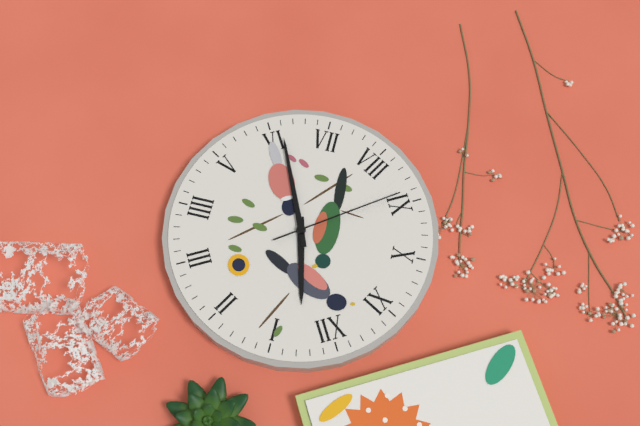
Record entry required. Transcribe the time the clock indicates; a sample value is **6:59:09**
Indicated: **12:31:44**
